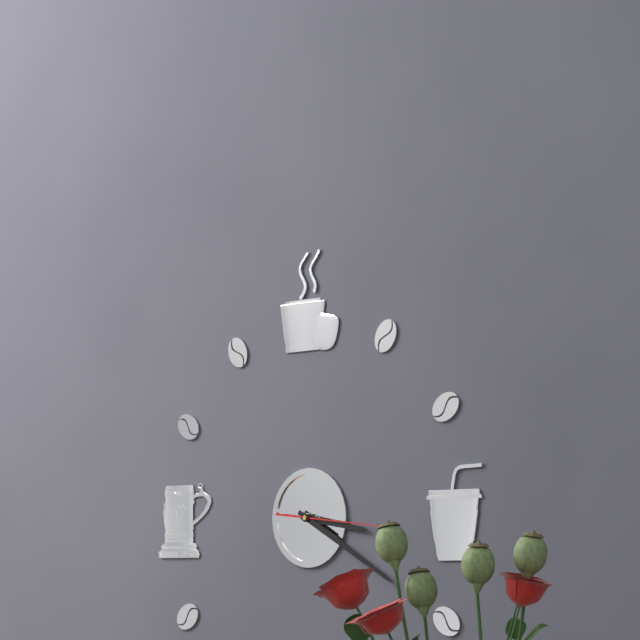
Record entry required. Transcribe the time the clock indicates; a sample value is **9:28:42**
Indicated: **3:20:16**
